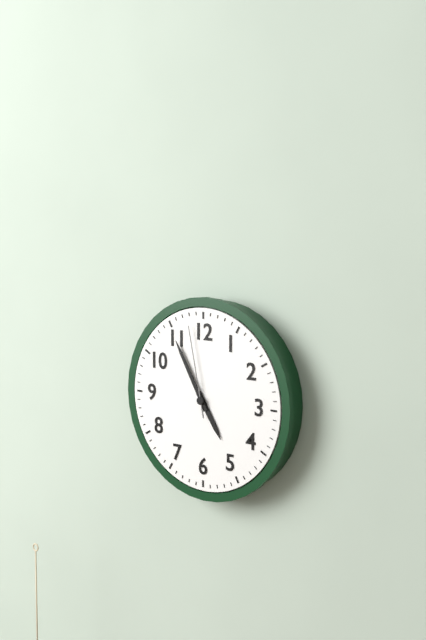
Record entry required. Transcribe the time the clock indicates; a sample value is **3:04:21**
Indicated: **4:55:58**
